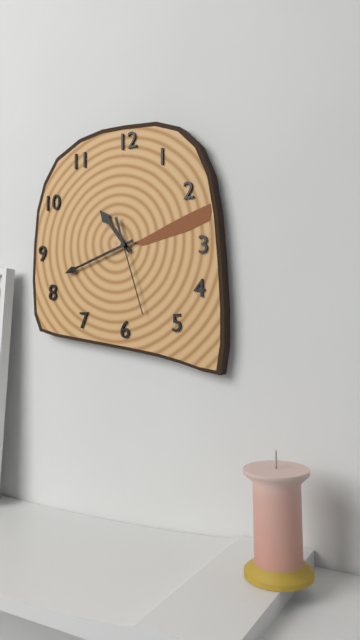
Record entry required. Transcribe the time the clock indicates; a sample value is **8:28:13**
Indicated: **10:42:27**
